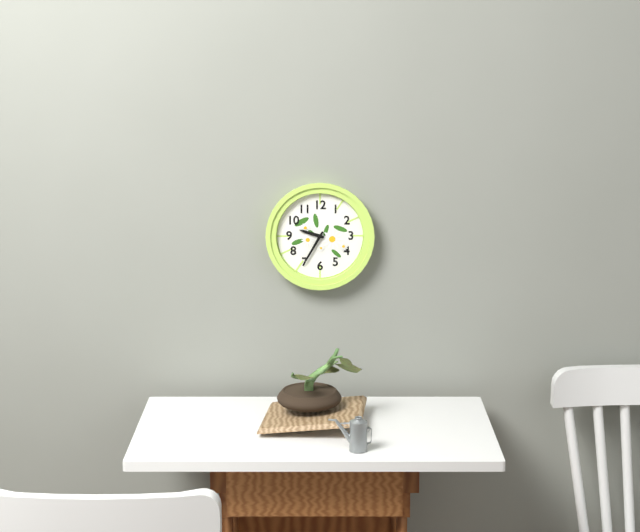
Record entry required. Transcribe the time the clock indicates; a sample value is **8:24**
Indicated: **9:35**
